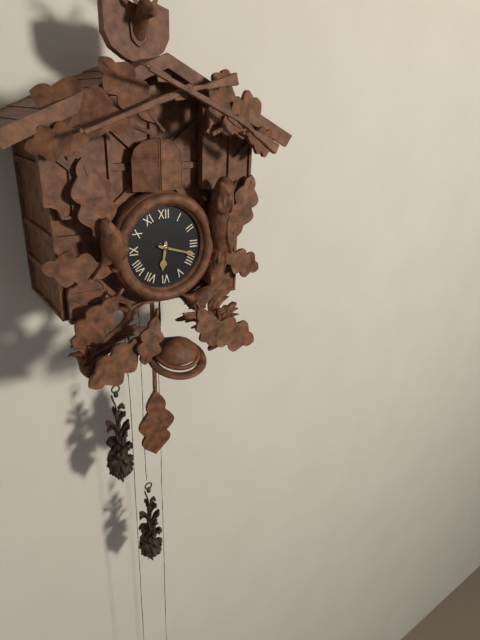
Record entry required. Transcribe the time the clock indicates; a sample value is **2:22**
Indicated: **6:18**
